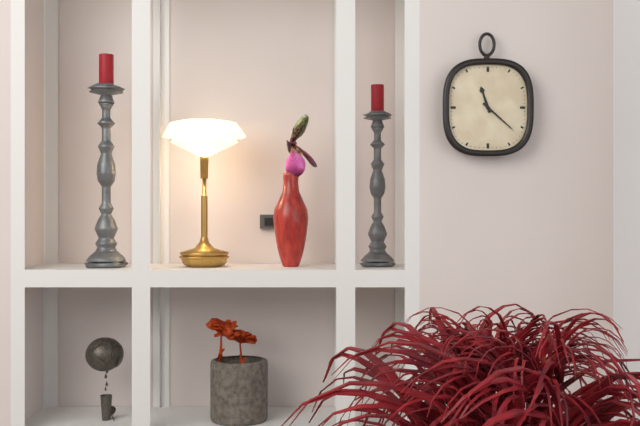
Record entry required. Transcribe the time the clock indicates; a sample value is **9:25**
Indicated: **11:22**
